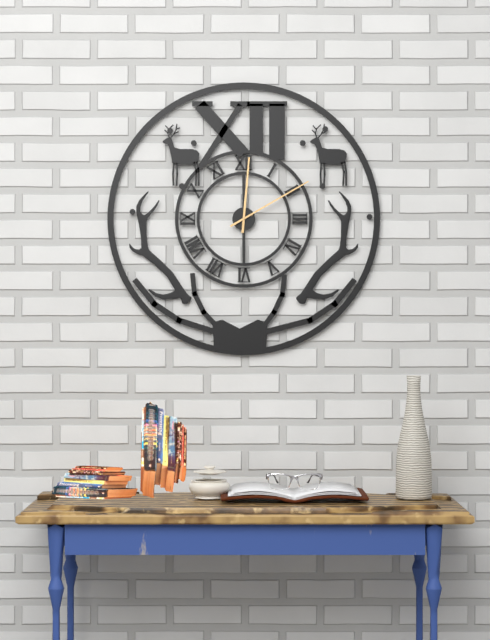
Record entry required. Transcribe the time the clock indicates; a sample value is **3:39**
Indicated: **12:10**
